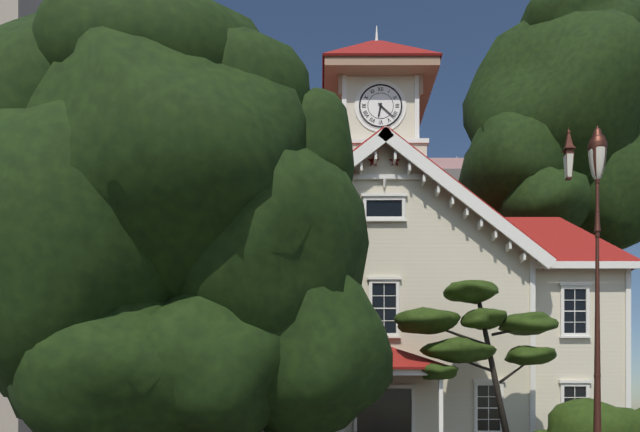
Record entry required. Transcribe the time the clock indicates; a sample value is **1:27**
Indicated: **6:22**
